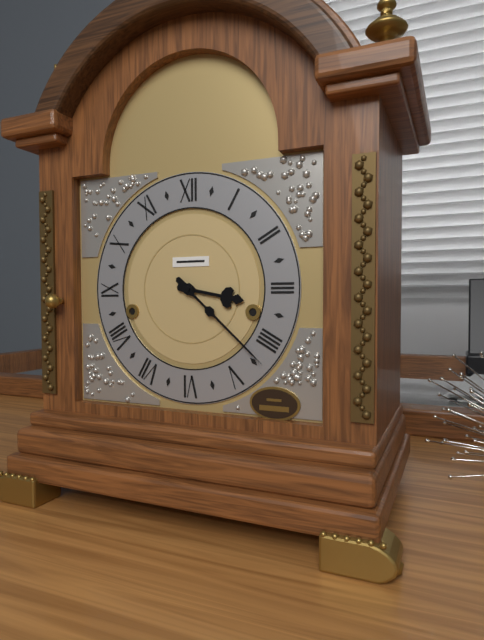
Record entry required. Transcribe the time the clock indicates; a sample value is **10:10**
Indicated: **3:22**
